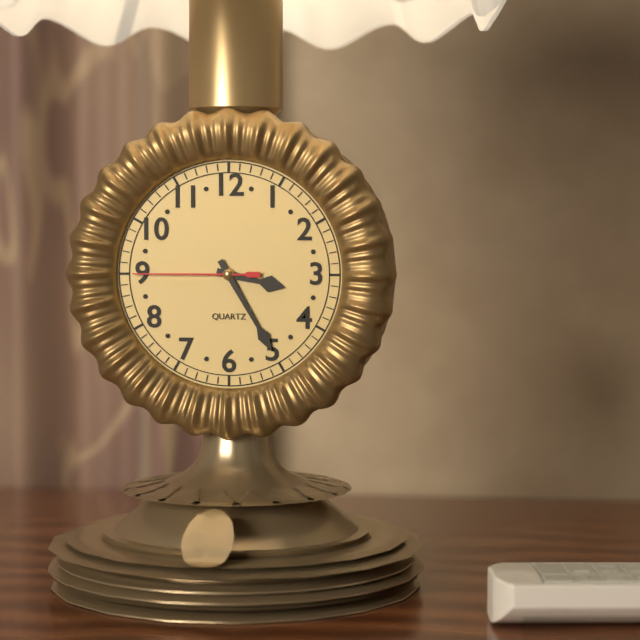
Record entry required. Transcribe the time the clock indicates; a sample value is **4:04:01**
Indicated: **3:25:45**
